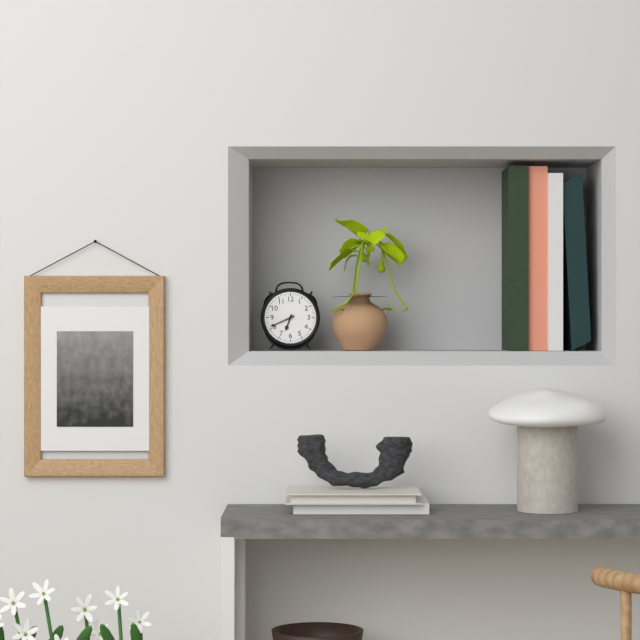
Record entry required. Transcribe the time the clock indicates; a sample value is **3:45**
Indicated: **6:41**
